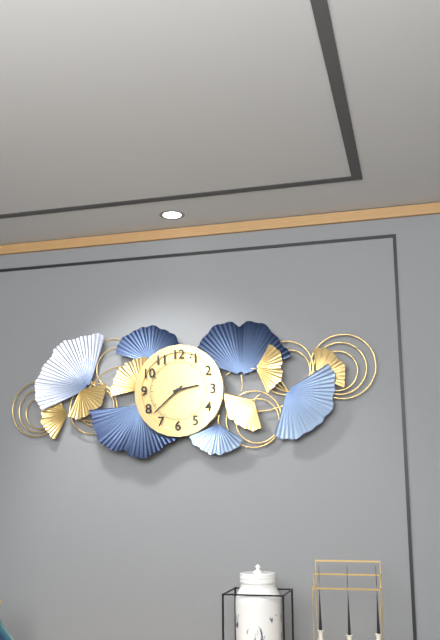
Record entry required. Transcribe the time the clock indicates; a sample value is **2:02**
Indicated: **2:38**
